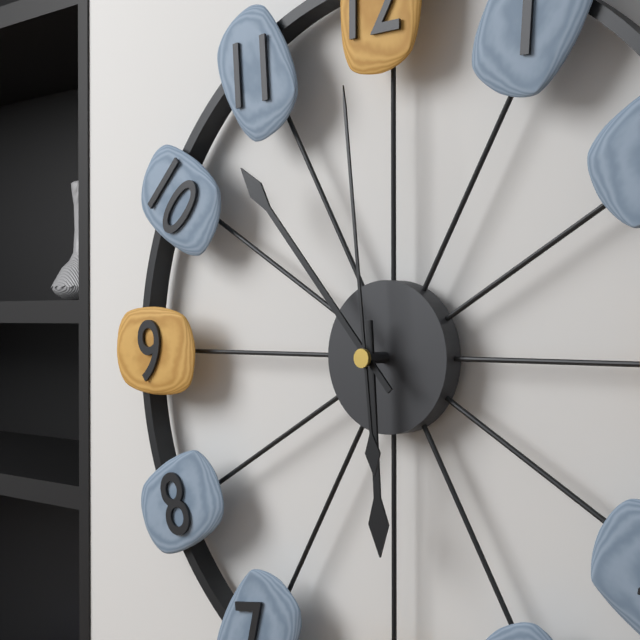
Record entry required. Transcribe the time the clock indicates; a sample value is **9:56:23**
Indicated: **5:53:59**
